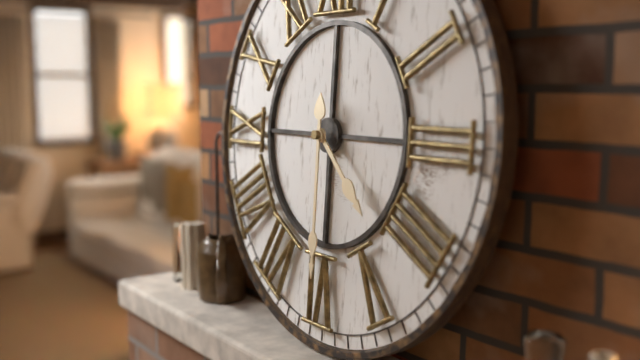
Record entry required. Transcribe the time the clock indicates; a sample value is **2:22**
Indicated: **4:30**
